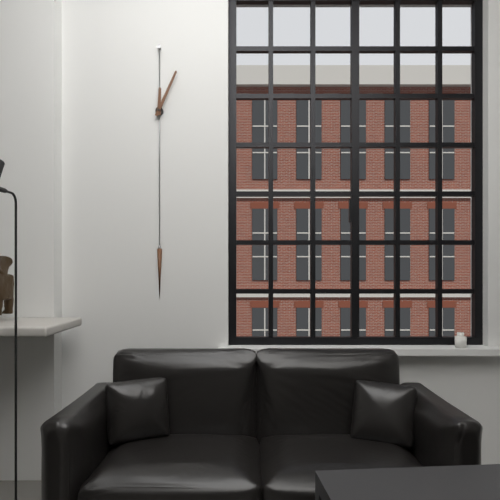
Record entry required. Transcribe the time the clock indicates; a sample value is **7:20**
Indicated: **12:04**
